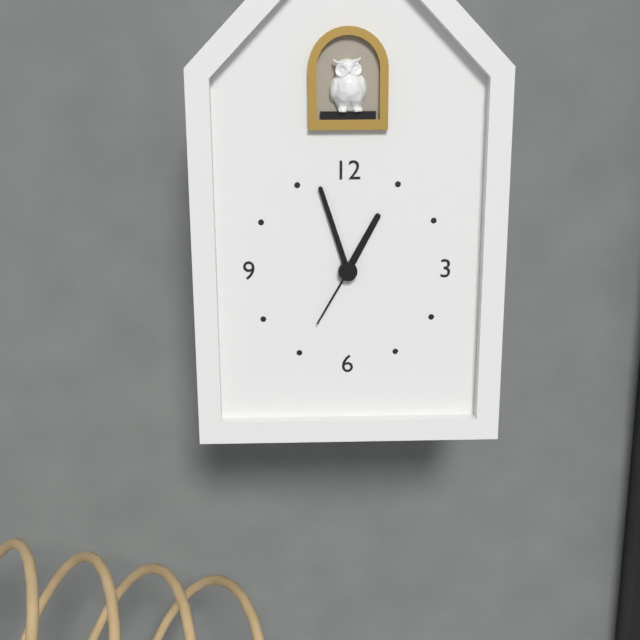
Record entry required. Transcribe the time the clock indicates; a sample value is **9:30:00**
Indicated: **12:57:35**
